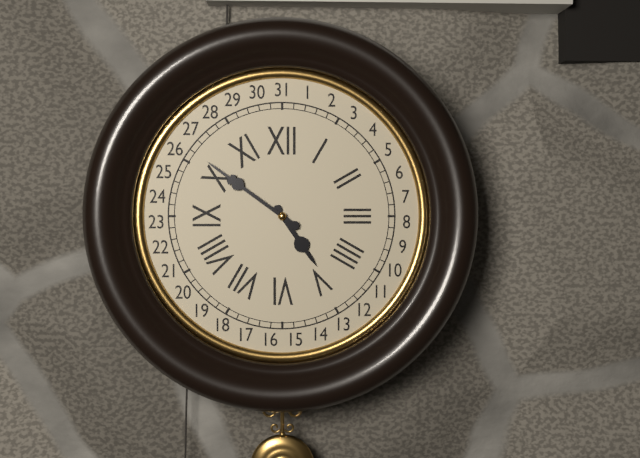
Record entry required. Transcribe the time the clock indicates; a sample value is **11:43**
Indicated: **4:51**
